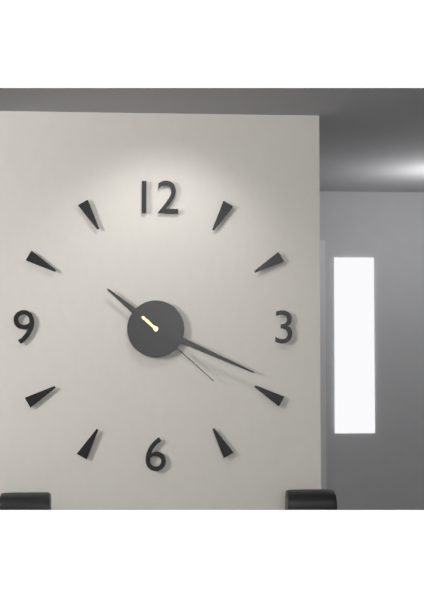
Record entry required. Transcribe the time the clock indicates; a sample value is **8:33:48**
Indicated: **10:19:22**
